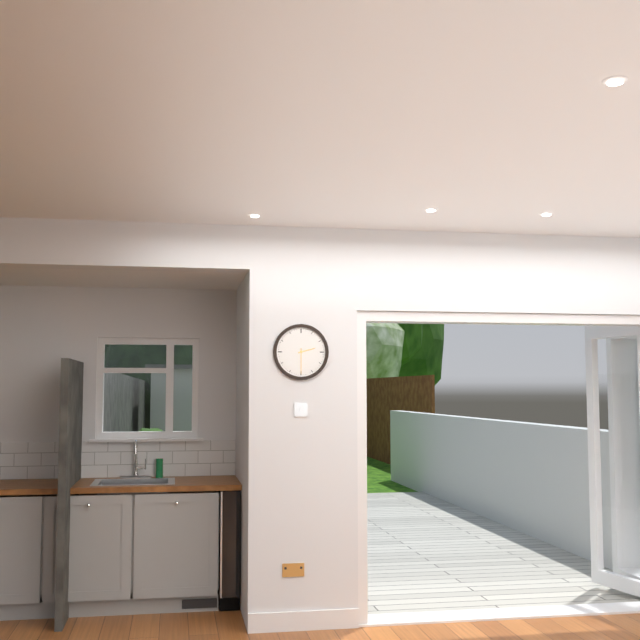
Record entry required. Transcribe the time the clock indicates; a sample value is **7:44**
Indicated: **2:30**
